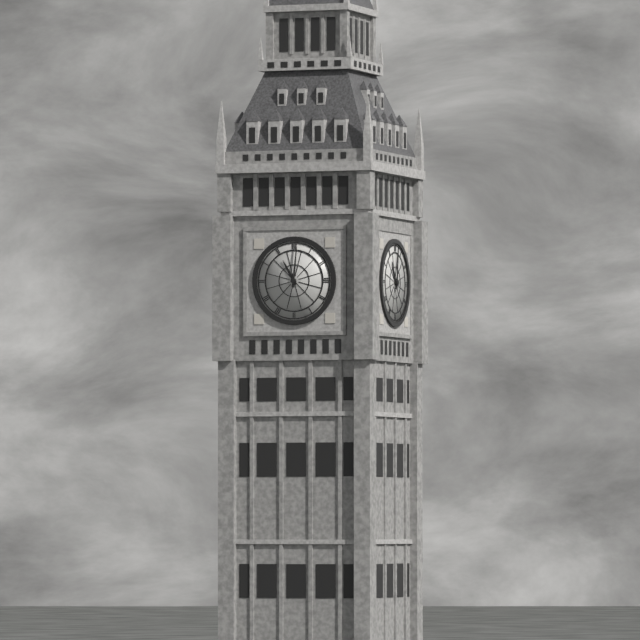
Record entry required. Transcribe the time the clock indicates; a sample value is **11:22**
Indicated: **11:01**
